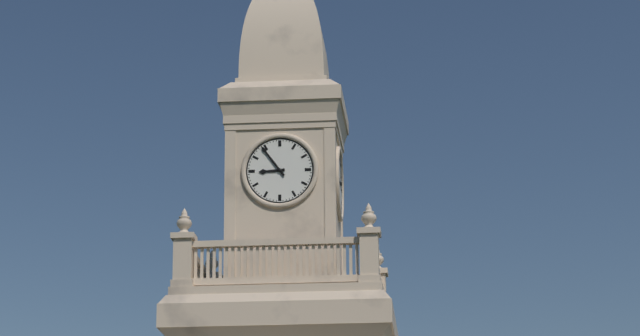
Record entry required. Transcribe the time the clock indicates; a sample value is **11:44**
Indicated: **8:54**
